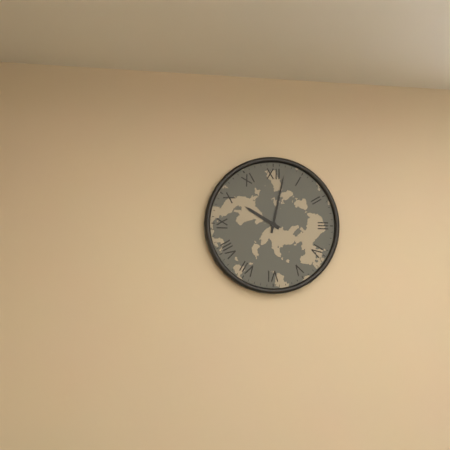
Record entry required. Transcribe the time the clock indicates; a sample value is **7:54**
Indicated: **10:02**
